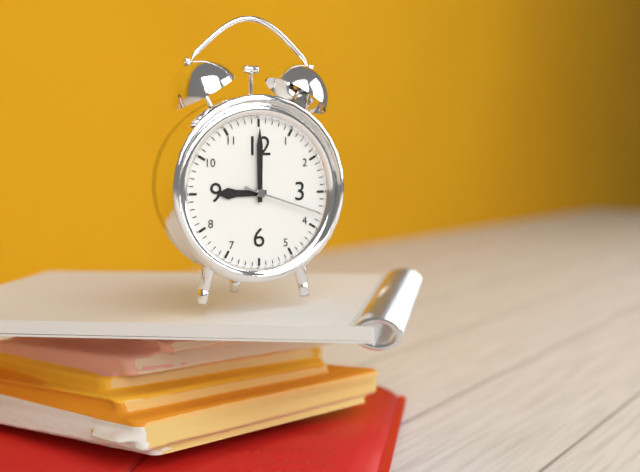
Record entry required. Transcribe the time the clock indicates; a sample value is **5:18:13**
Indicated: **9:00:18**
